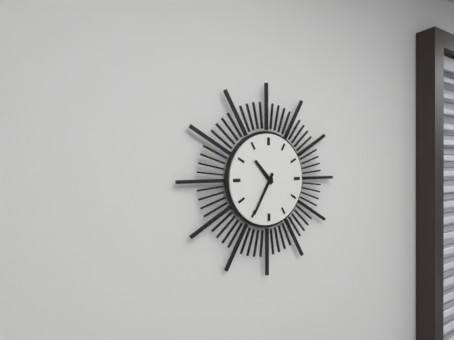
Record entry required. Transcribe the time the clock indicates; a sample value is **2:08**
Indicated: **10:35**
